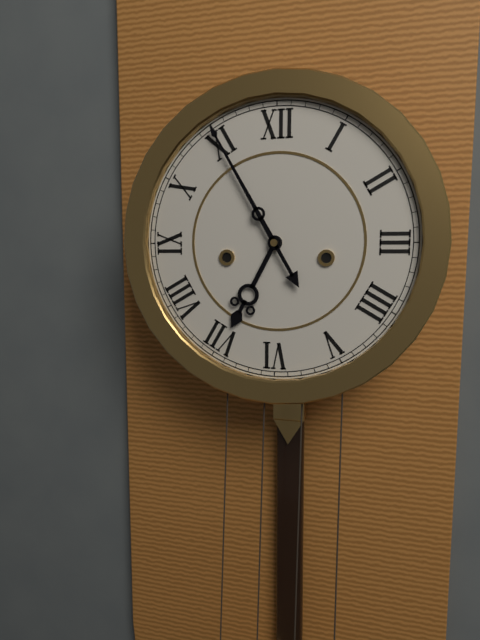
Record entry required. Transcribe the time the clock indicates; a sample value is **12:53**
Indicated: **6:55**
